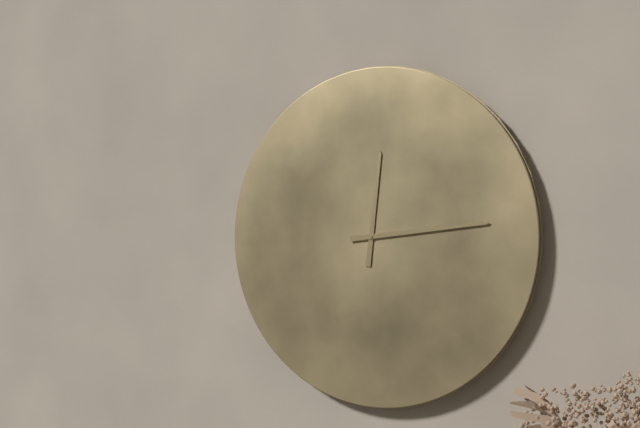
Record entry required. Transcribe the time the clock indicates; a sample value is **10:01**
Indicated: **12:14**
